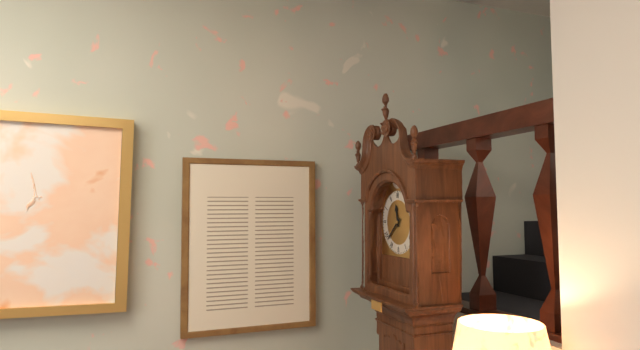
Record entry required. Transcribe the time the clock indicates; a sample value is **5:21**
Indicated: **11:38**
